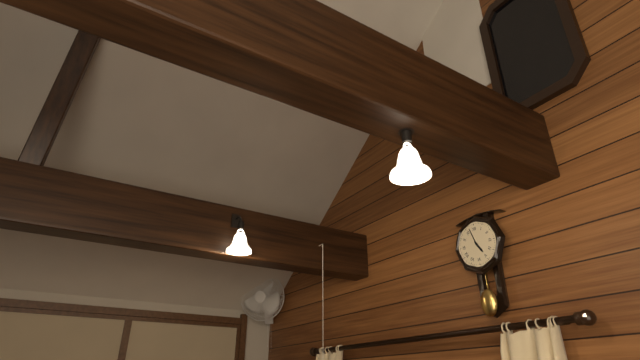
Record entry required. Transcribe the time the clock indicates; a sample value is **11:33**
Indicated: **4:57**
